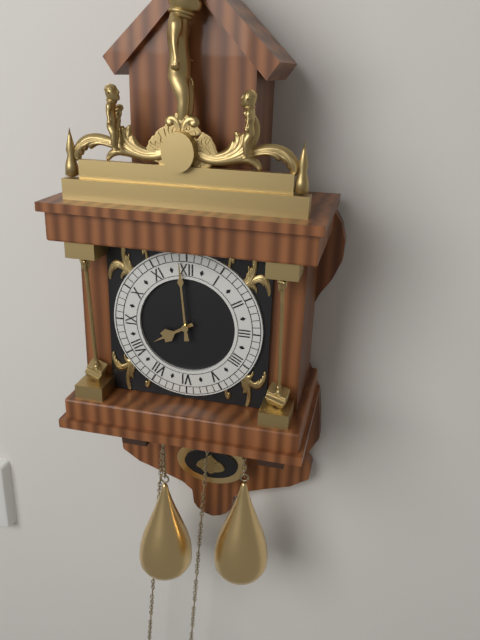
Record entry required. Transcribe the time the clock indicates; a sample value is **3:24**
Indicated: **7:59**
